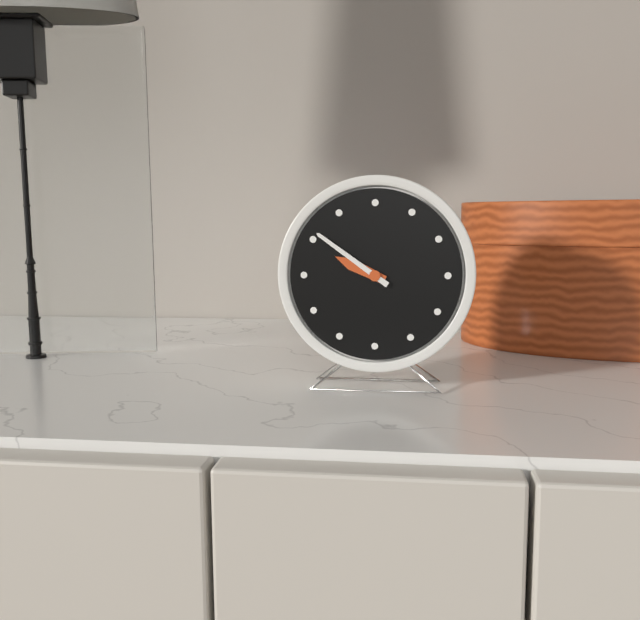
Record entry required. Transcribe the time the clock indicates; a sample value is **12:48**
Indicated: **9:51**
